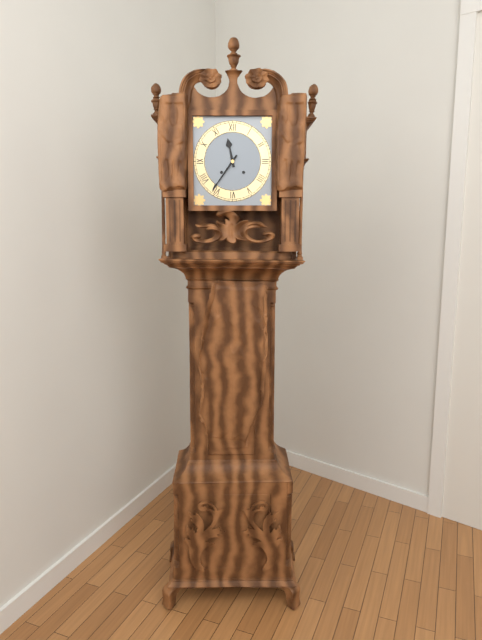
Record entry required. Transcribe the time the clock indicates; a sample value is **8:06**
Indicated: **11:36**
